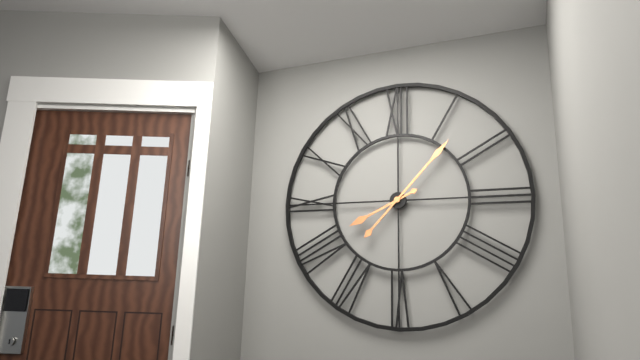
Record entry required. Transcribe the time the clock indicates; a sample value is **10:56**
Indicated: **8:07**
